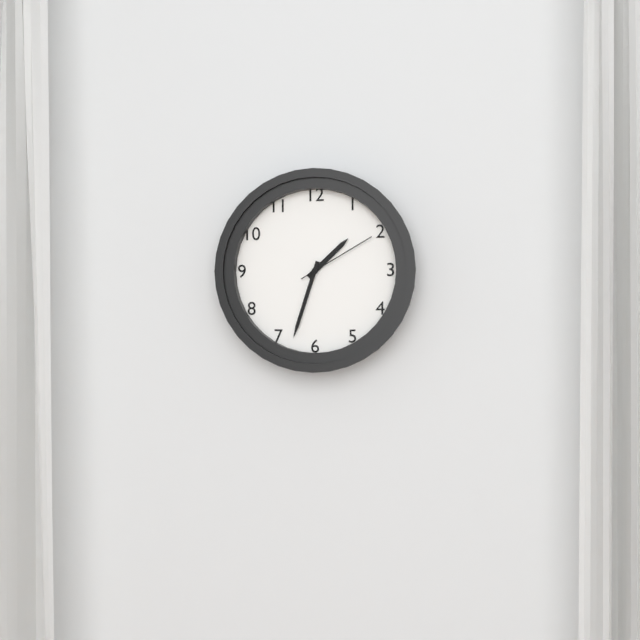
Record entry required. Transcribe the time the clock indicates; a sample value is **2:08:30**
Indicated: **1:33:10**
